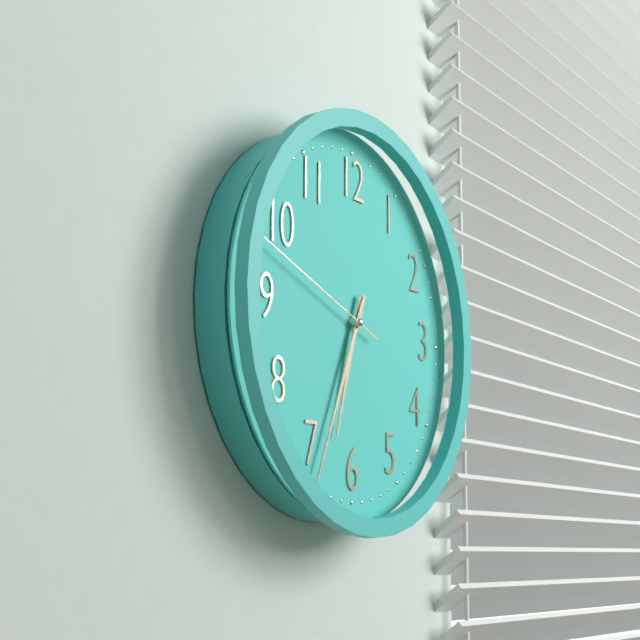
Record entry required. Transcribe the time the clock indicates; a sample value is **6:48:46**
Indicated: **6:34:48**
